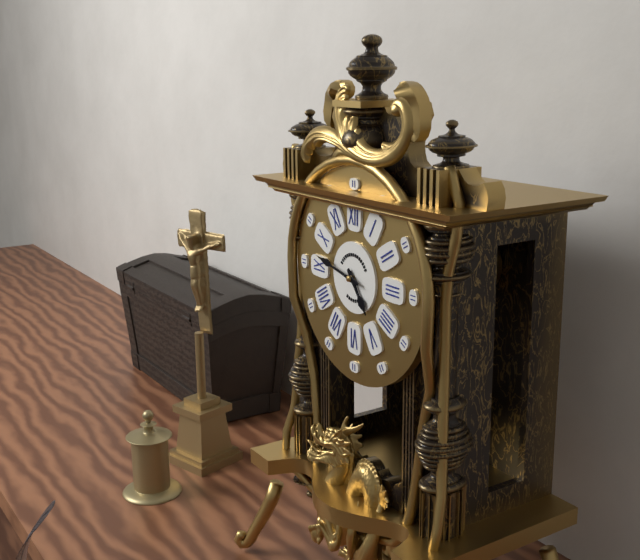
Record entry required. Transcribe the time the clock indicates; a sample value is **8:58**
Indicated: **4:47**
